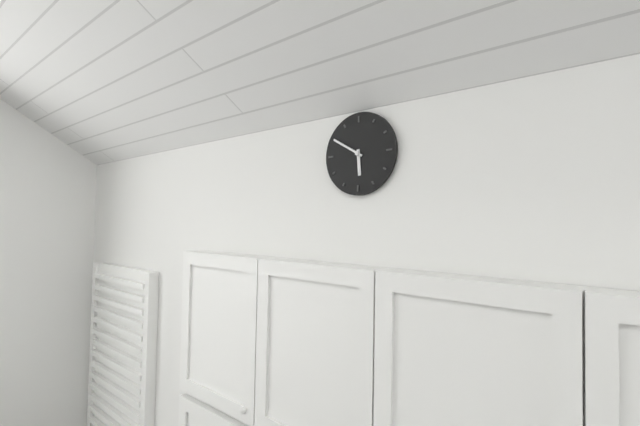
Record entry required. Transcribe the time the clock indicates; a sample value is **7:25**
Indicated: **5:50**
